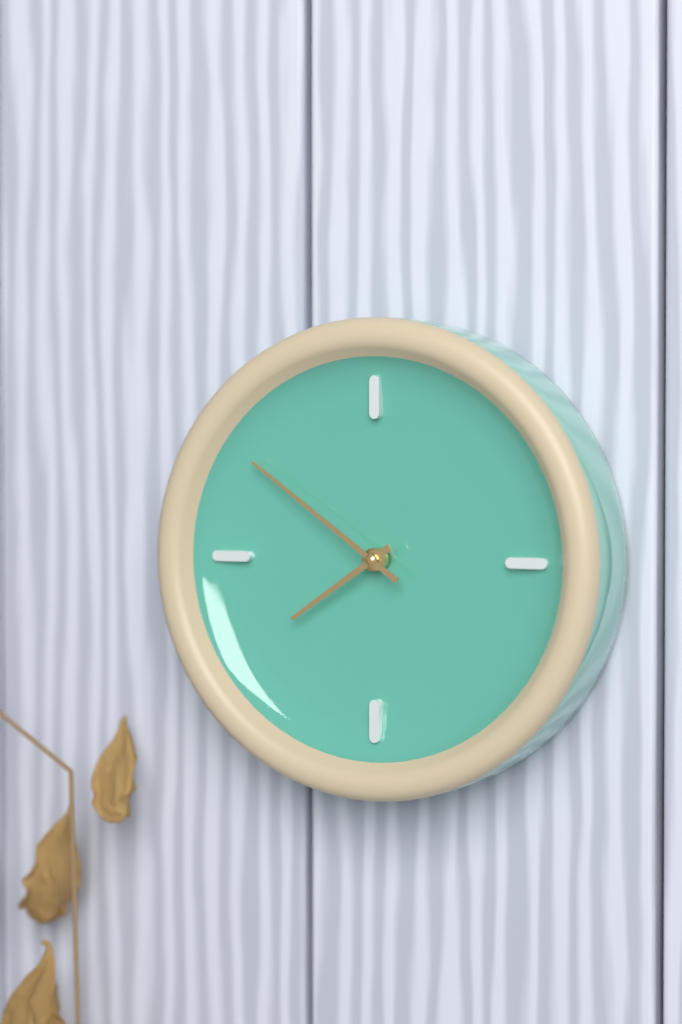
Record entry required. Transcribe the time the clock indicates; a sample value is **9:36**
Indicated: **7:51**
